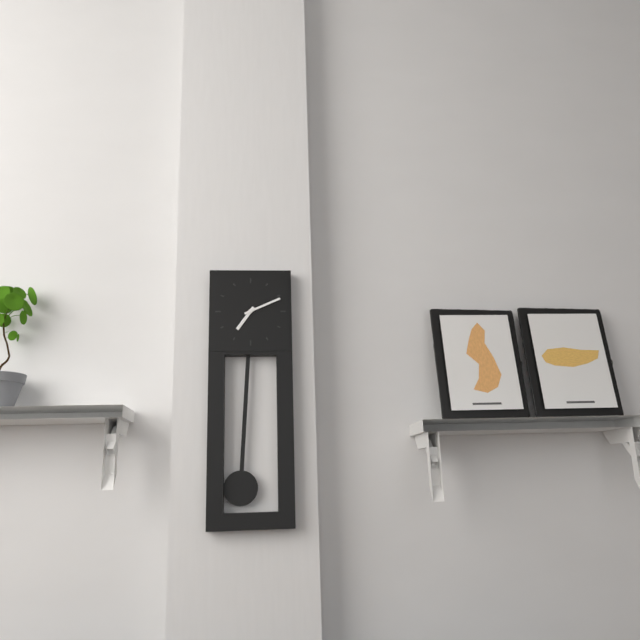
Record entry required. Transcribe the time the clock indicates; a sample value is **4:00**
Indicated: **7:11**
